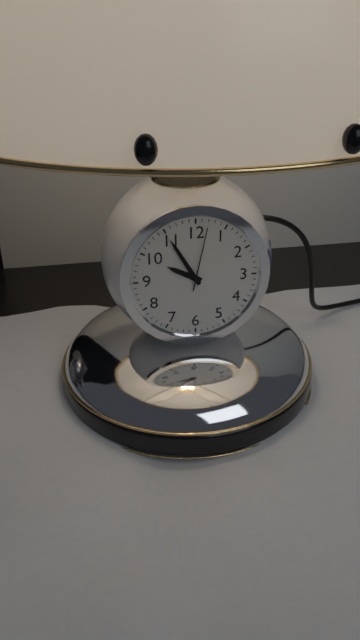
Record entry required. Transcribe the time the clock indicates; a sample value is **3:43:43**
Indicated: **9:55:02**
